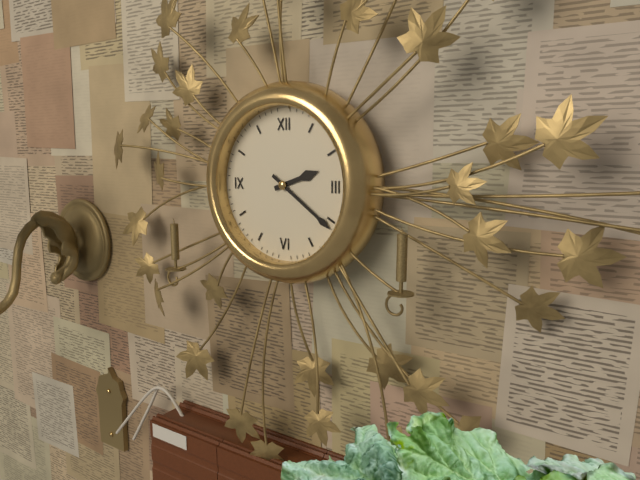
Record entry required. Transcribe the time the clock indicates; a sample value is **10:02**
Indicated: **2:21**
